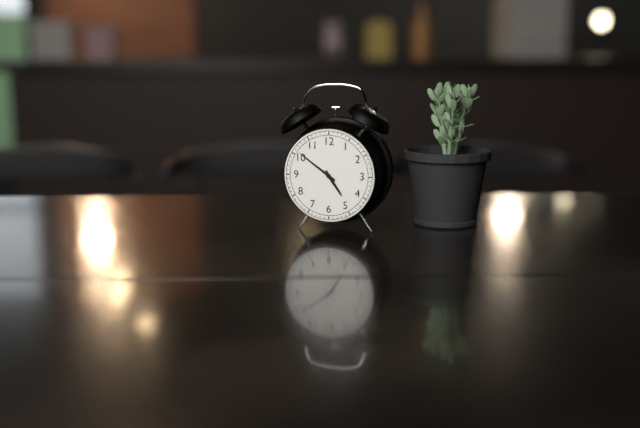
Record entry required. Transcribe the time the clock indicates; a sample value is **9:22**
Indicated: **4:51**
